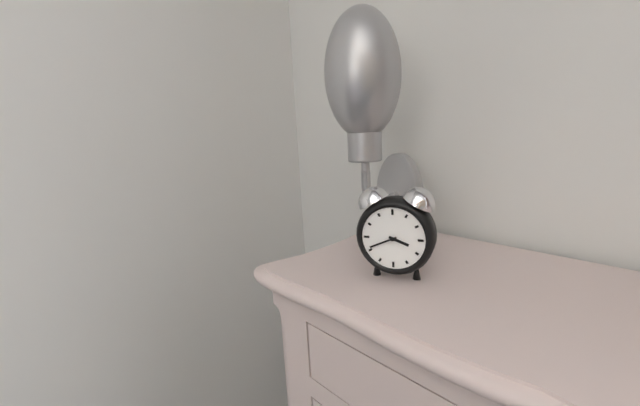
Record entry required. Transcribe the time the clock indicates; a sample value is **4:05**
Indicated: **3:41**
